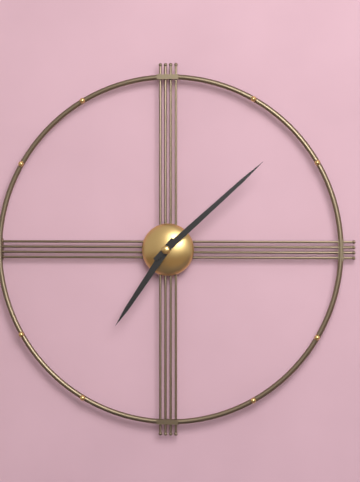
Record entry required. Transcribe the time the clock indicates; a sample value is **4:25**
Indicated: **7:08**
